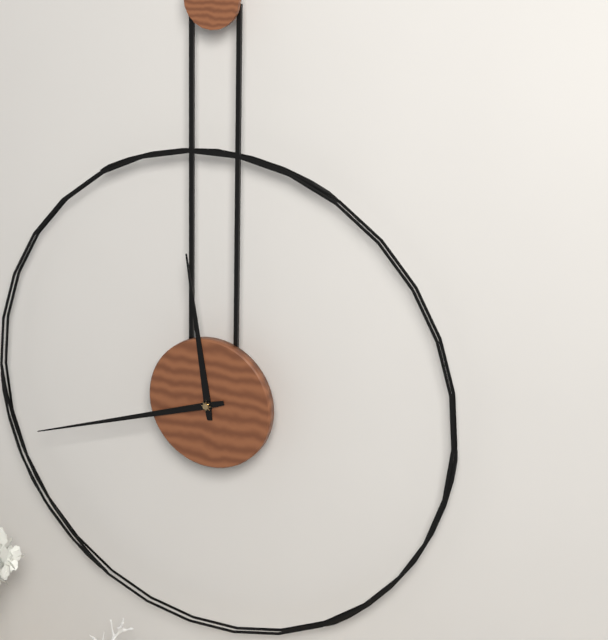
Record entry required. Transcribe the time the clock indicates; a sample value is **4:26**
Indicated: **11:42**
